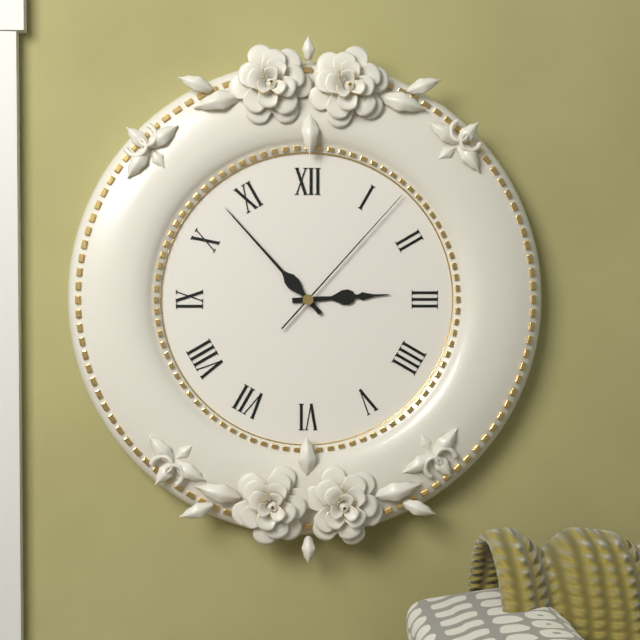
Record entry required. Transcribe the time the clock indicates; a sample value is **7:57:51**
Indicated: **2:53:07**
